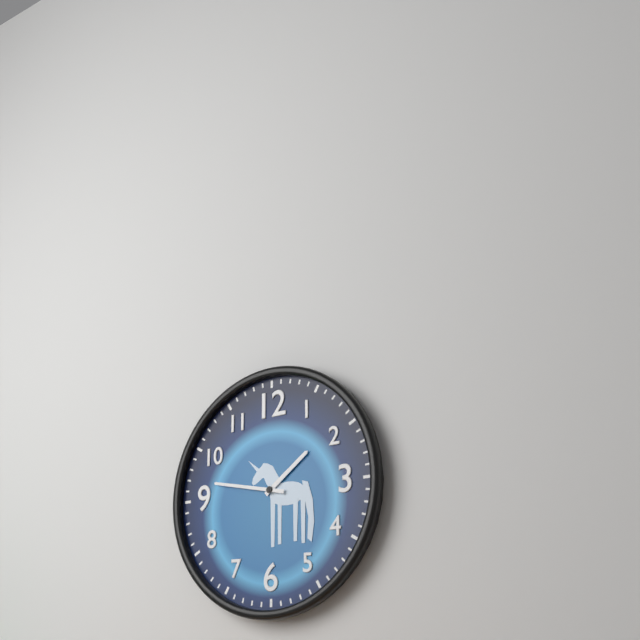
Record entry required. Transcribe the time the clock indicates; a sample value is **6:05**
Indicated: **1:47**
